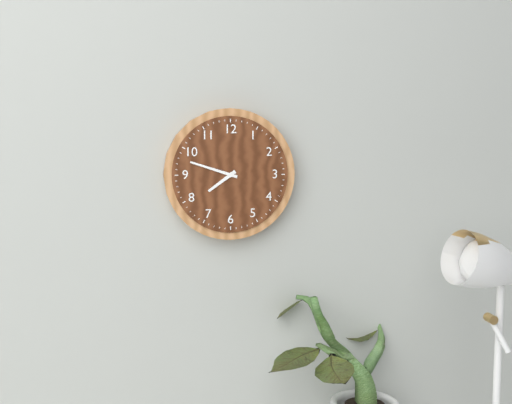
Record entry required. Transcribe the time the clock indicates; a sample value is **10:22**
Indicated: **7:48**
